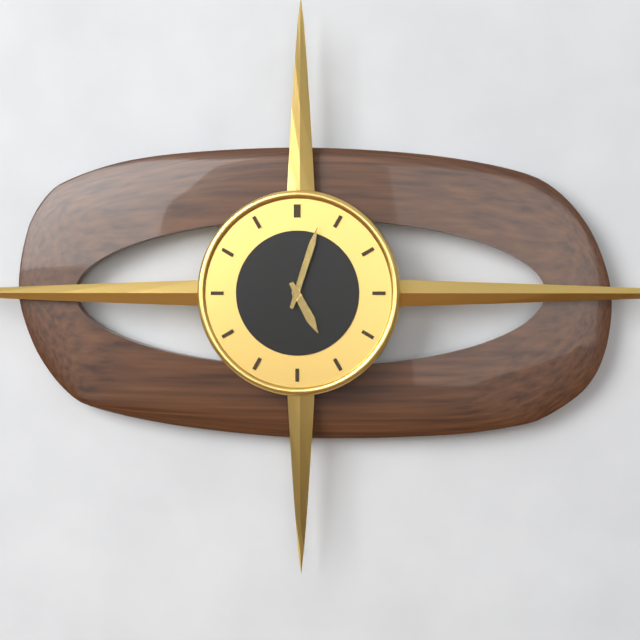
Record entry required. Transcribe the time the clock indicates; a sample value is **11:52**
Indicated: **5:03**
